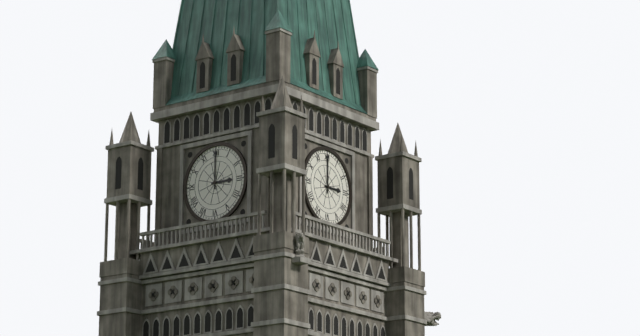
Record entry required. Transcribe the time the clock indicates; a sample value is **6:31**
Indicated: **3:00**
